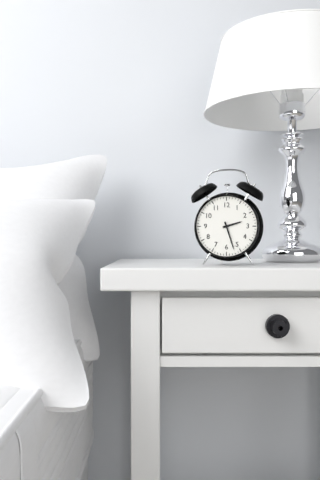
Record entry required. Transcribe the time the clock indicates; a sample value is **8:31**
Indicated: **2:27**
